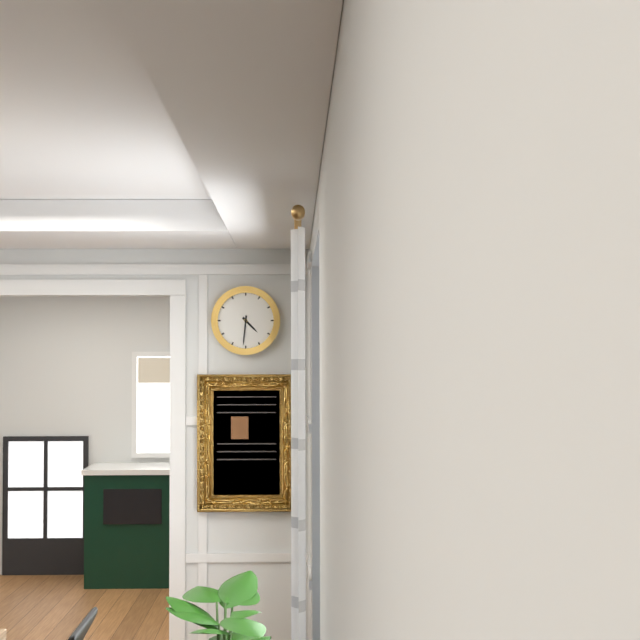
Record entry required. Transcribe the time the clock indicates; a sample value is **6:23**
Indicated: **4:31**
